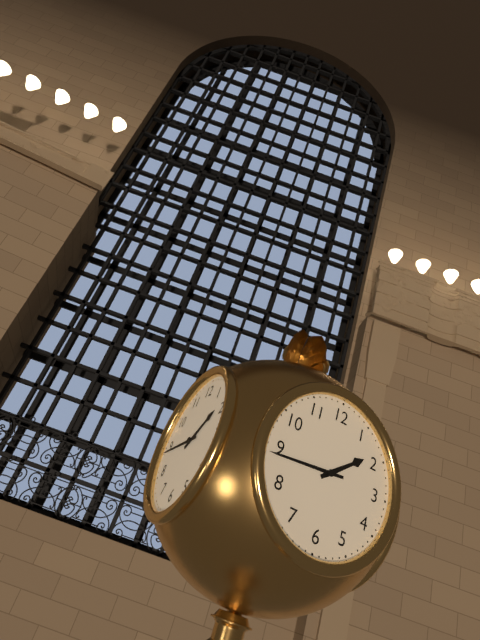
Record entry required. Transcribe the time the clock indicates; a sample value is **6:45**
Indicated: **1:44**
